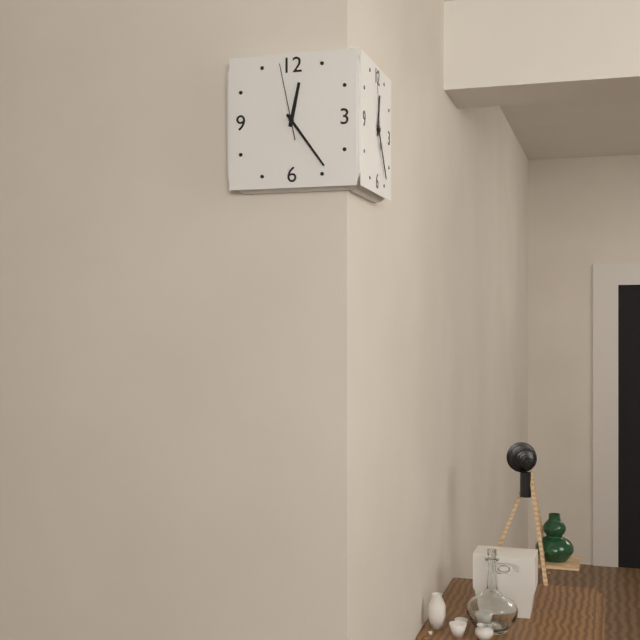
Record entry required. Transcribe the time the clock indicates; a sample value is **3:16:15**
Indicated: **12:24:58**
